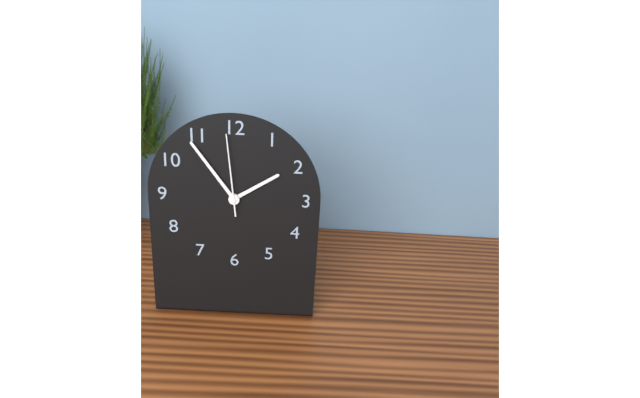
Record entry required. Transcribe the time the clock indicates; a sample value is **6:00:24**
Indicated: **1:54:59**
